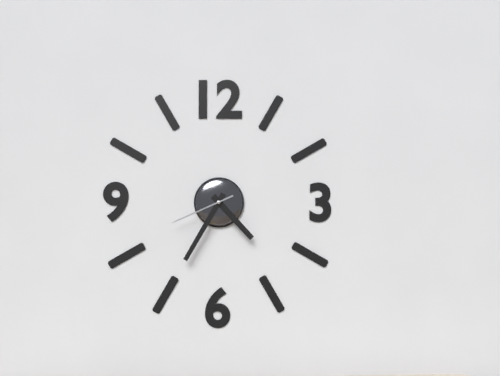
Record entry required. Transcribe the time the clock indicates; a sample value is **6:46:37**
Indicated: **4:35:41**
